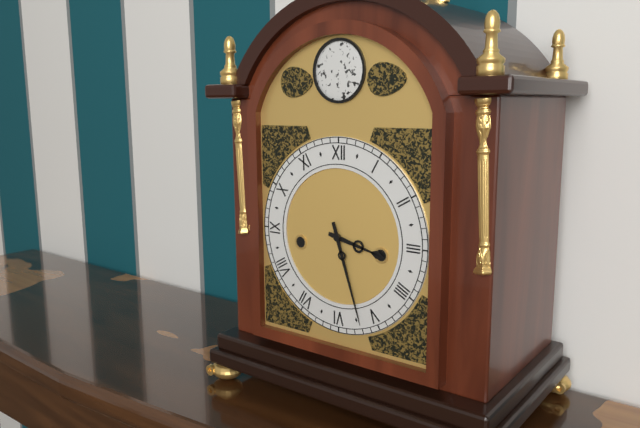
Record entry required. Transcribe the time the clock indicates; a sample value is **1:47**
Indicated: **3:27**
